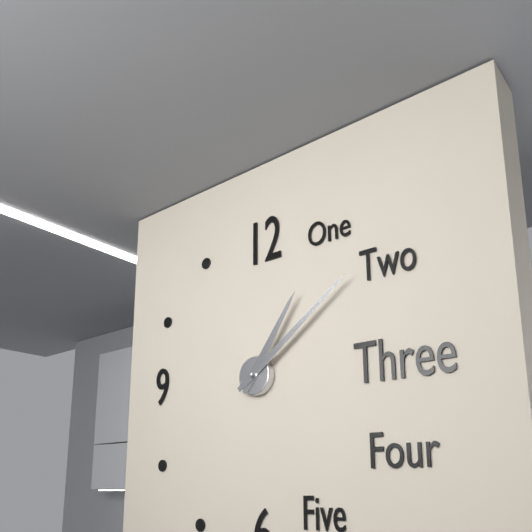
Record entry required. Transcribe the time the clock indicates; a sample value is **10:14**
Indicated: **1:09**
